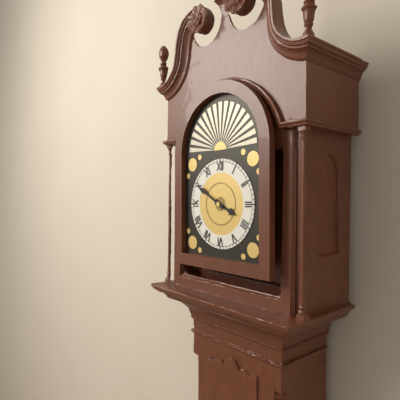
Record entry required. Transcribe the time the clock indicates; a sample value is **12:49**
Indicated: **3:50**
